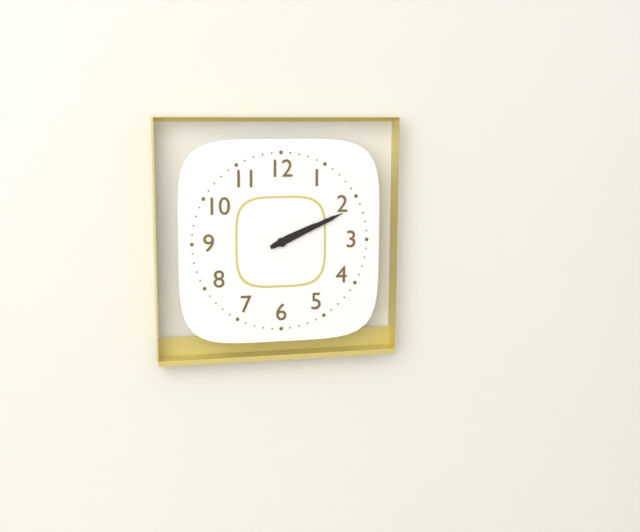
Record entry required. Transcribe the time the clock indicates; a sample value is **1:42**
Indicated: **2:11**
